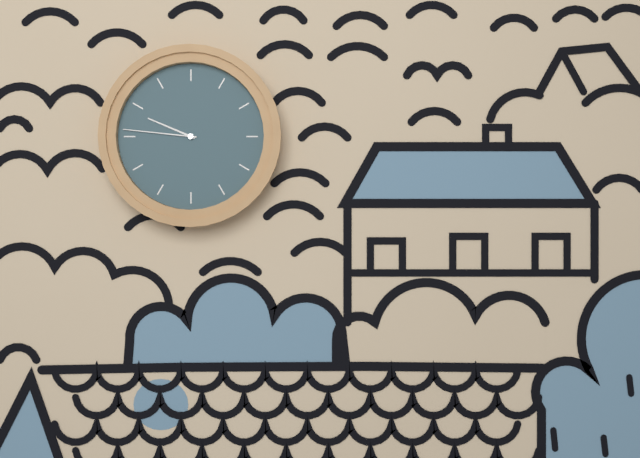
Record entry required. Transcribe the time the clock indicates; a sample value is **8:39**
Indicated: **9:46**
